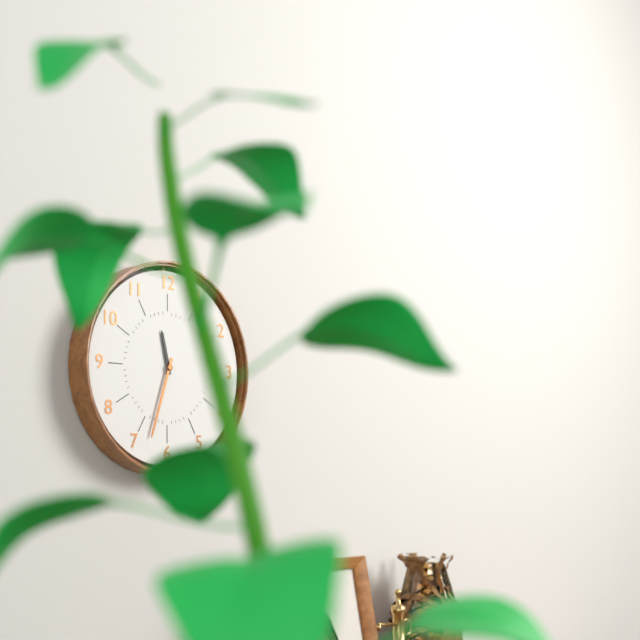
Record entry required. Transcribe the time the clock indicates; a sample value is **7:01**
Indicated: **11:33**
